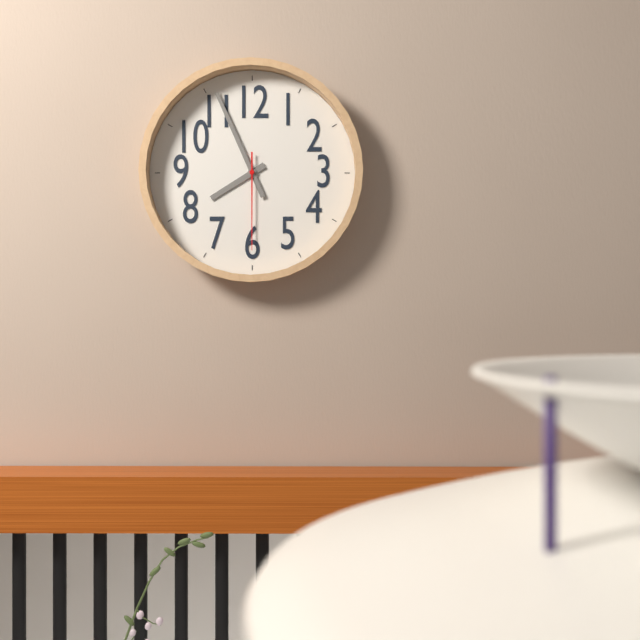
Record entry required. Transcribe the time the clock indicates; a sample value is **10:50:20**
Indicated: **7:56:30**
